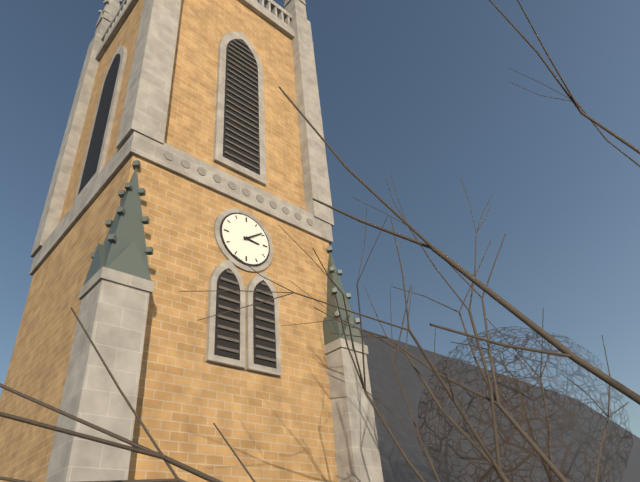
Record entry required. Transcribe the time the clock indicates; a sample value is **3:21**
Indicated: **3:09**
